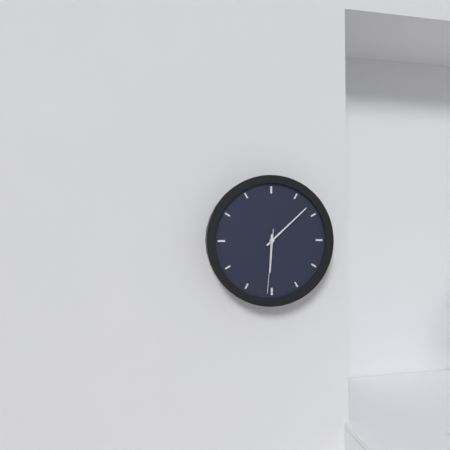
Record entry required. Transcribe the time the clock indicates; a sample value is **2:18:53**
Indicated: **6:08:31**
